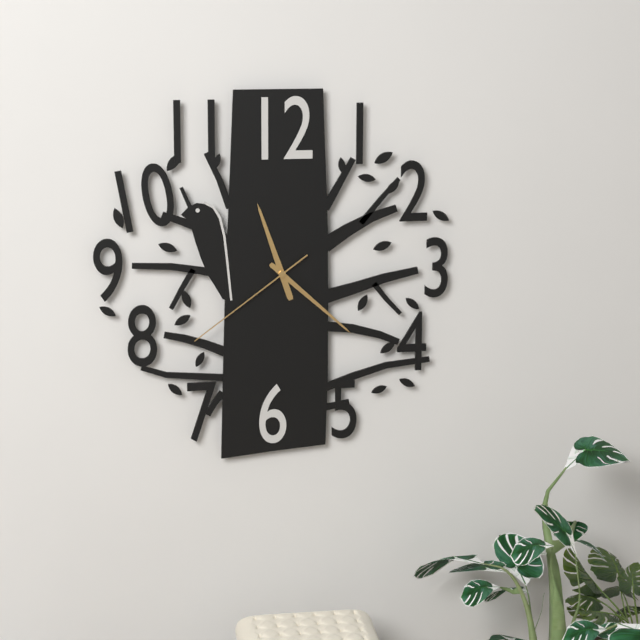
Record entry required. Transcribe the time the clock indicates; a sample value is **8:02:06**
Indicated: **11:22:39**
